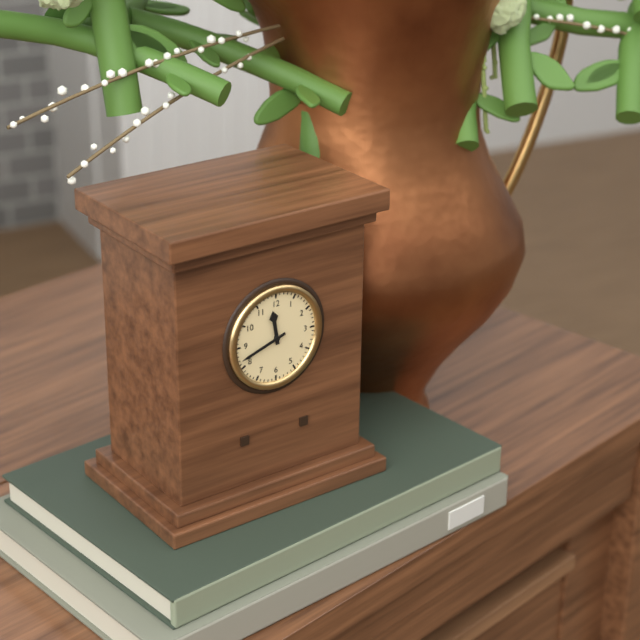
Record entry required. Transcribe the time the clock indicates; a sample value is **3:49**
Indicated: **11:42**
